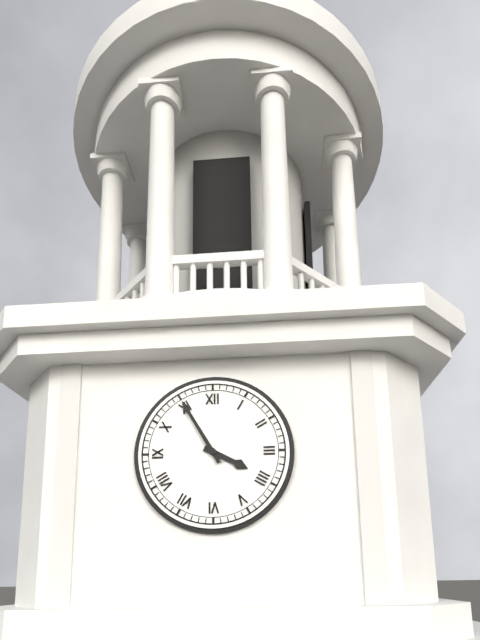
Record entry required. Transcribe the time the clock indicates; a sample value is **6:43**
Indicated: **3:55**
